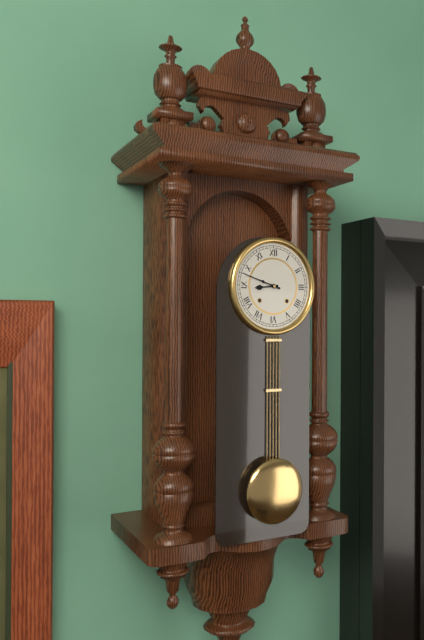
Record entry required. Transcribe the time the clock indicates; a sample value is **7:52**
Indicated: **8:48**
